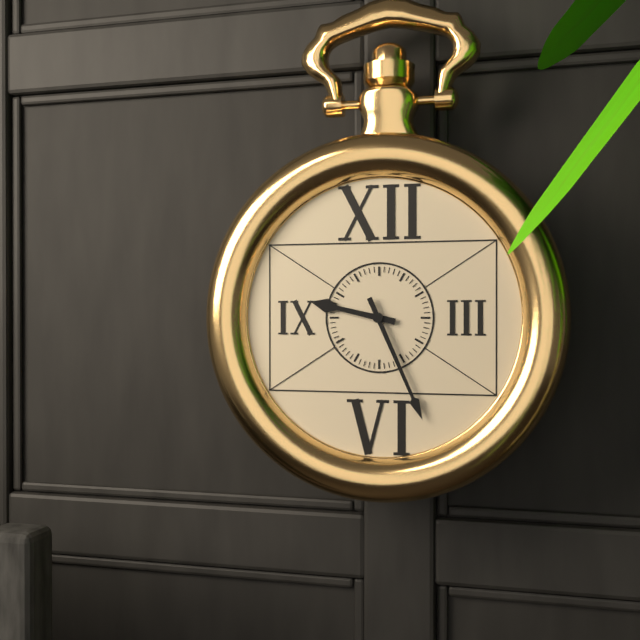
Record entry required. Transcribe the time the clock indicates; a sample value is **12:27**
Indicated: **9:26**
